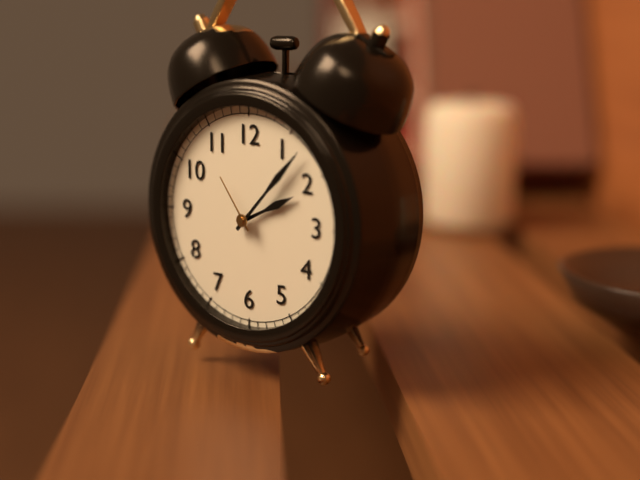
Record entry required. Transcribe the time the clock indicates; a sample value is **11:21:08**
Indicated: **2:07:54**
